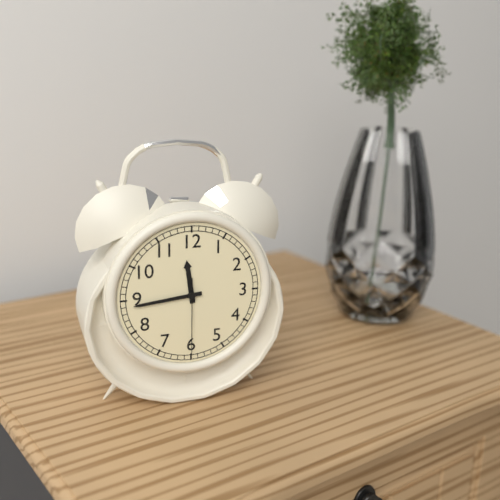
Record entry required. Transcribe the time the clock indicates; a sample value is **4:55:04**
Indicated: **11:44:30**
